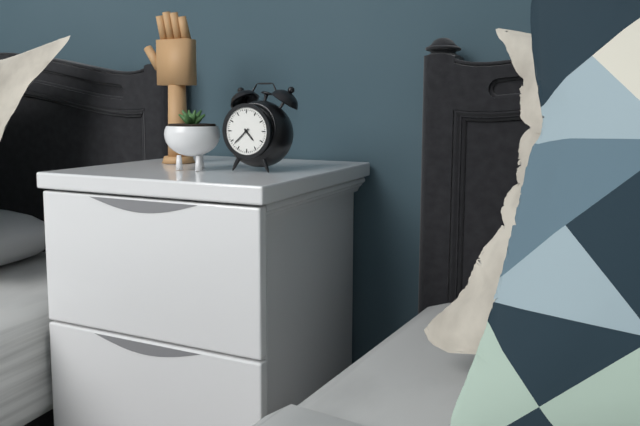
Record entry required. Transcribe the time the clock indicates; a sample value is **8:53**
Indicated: **4:38**
